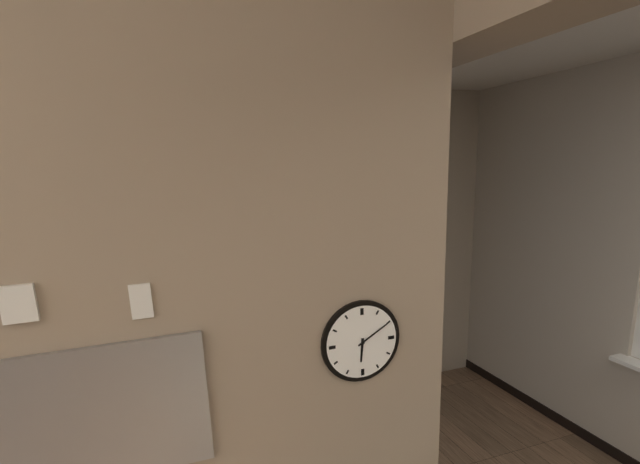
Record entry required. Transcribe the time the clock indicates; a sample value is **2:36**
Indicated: **6:10**
